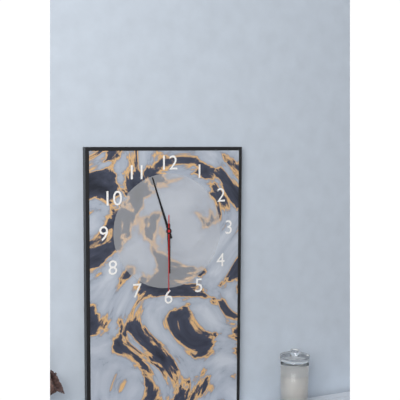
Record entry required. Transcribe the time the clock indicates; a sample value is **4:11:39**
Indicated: **5:57:30**
